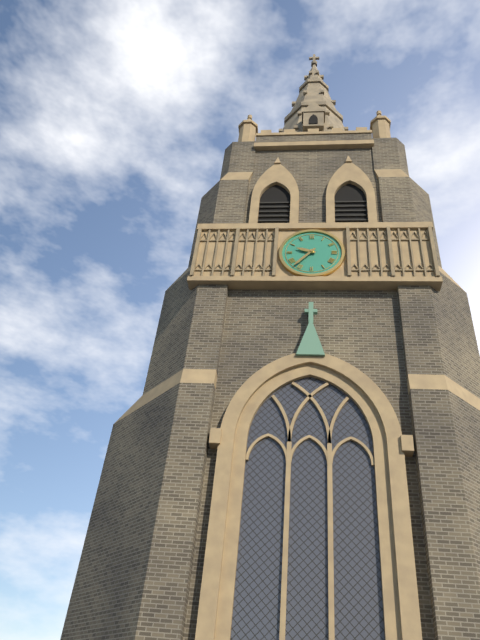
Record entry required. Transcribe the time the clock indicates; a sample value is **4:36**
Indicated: **9:37**
